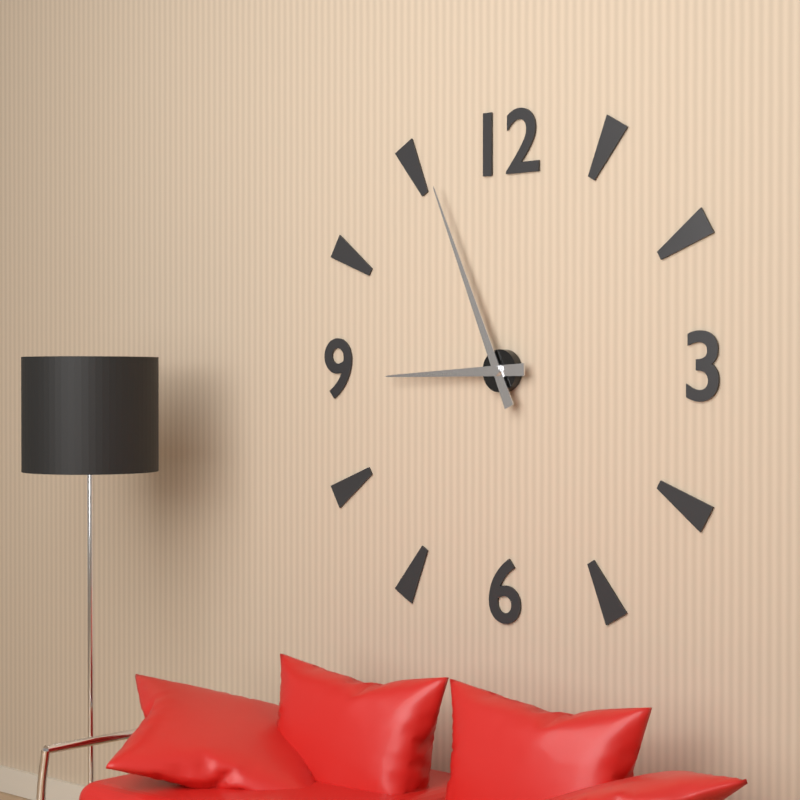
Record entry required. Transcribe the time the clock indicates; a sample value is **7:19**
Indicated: **8:56**
